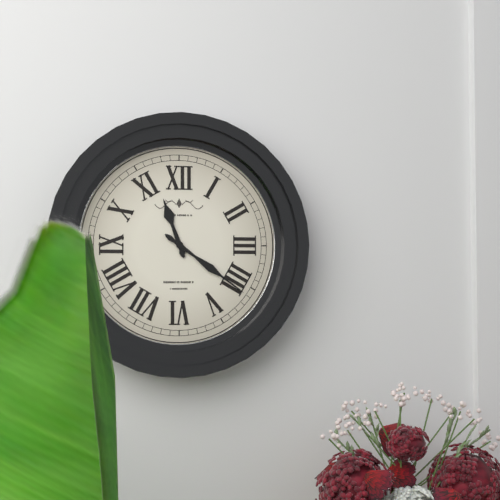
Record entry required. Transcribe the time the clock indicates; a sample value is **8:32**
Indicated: **11:21**
